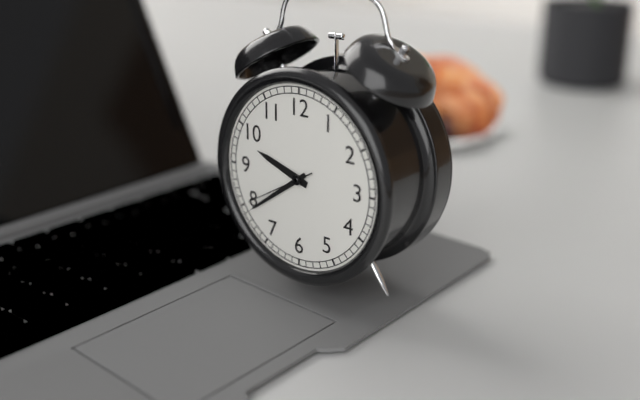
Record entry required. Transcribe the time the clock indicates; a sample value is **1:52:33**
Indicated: **9:39:40**
